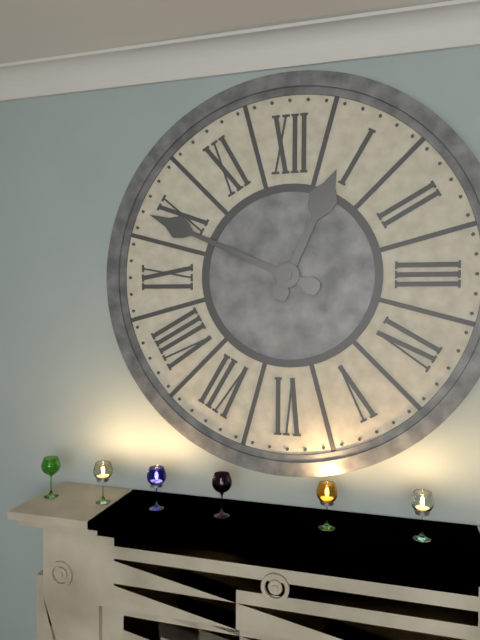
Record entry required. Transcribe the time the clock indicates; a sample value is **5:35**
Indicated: **12:49**
